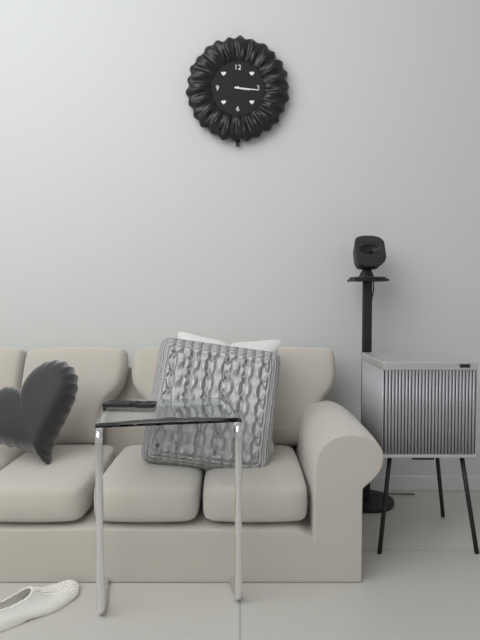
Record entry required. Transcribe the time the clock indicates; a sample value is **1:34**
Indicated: **3:16**
